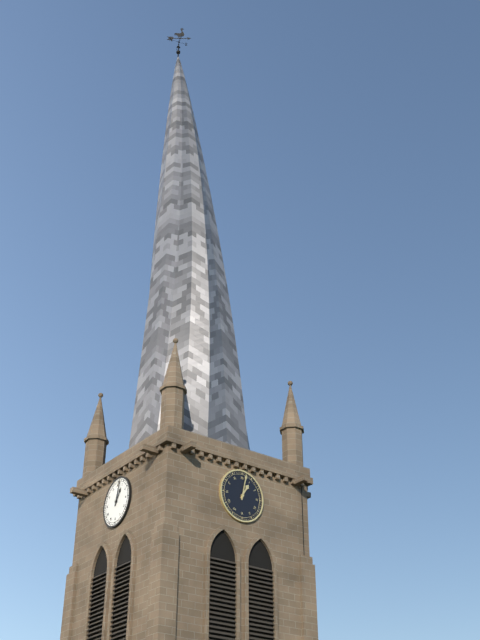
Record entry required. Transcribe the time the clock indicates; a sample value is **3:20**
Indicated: **1:02**
